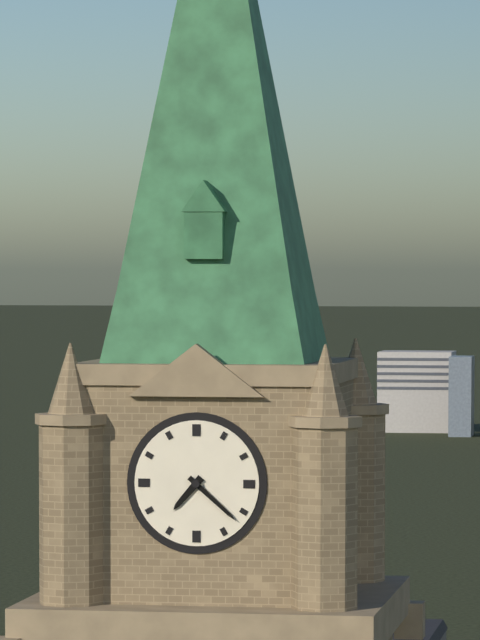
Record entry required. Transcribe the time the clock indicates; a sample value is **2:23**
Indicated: **7:22**
